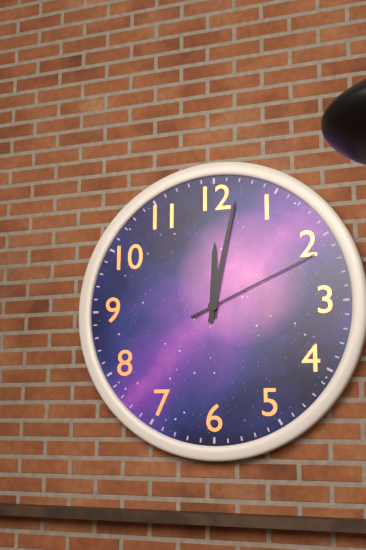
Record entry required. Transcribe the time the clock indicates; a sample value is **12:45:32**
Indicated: **12:02:11**
